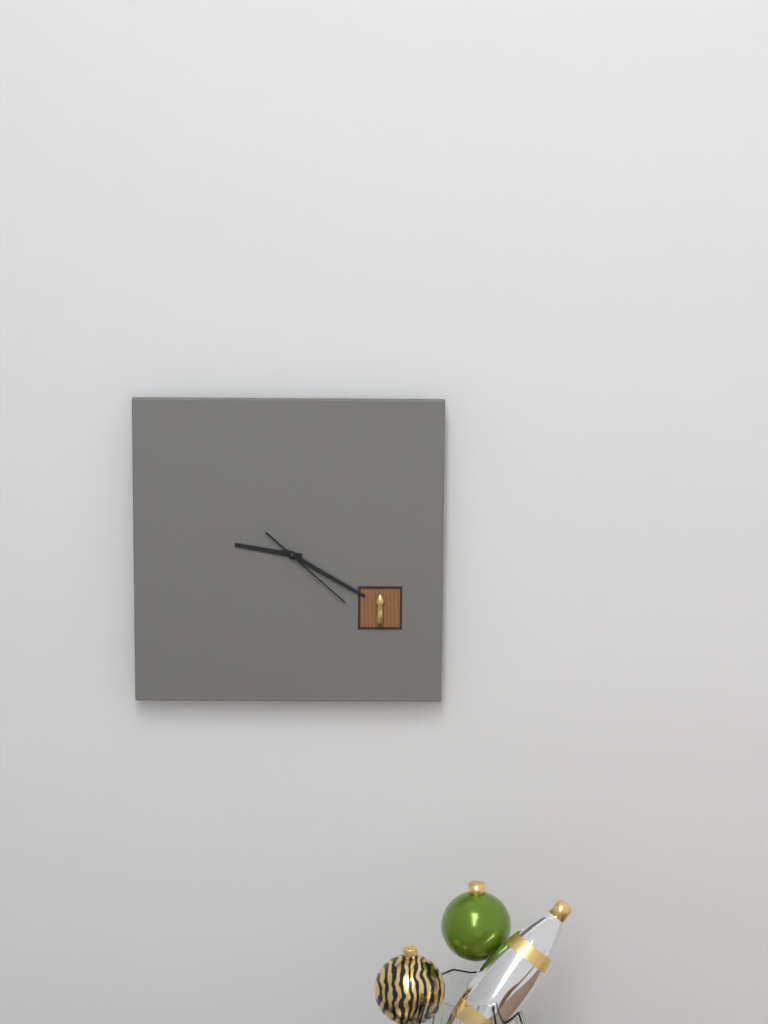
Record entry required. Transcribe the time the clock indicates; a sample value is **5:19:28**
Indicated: **9:20:22**
